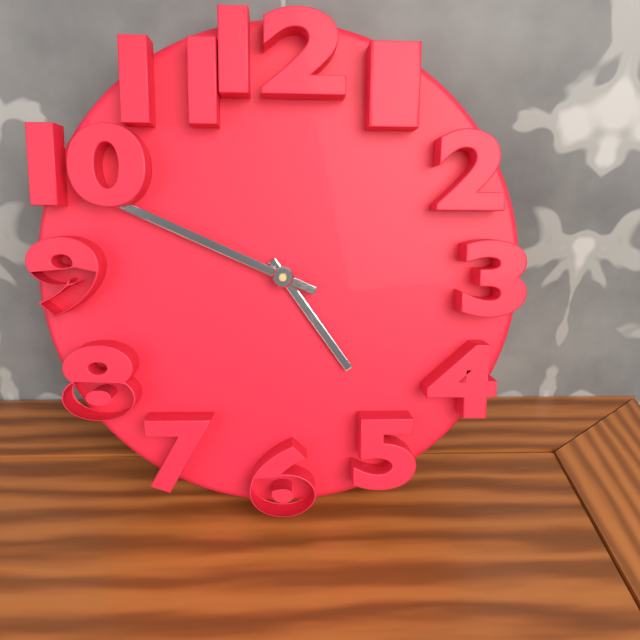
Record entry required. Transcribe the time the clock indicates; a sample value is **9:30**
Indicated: **4:49**
